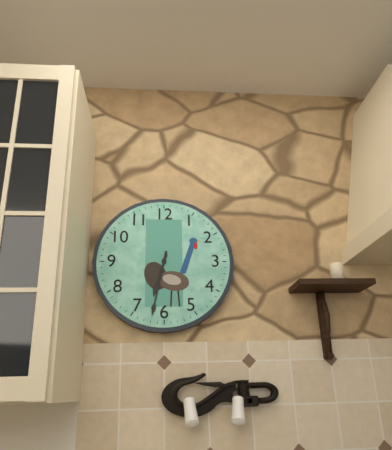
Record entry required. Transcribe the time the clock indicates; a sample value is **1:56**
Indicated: **6:32**
